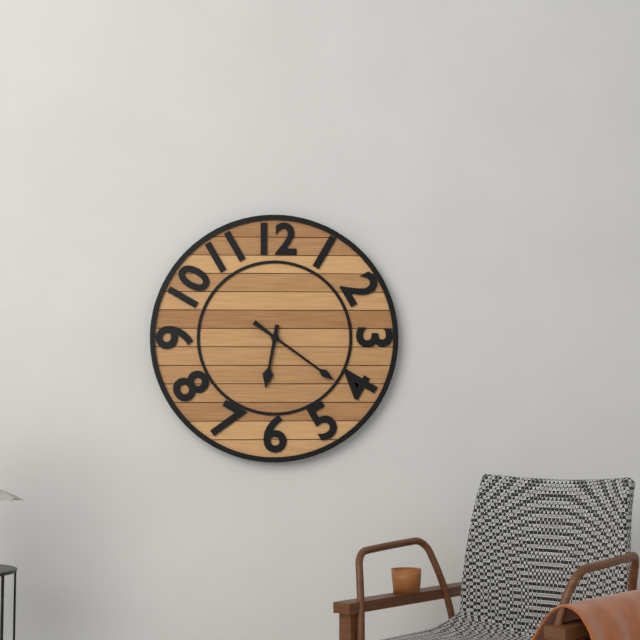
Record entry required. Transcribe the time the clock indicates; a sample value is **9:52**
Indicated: **6:21**
